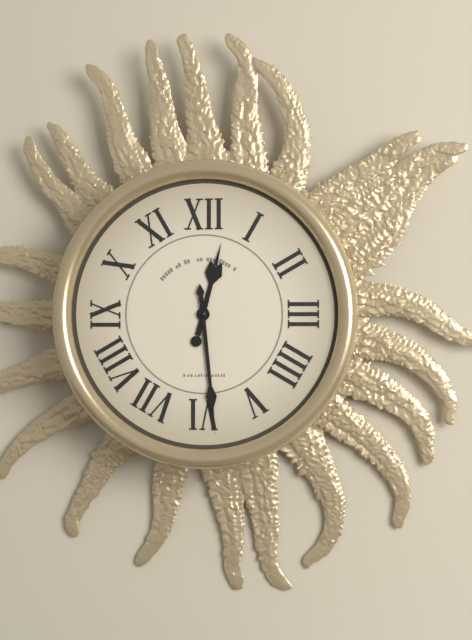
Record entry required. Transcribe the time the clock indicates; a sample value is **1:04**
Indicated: **12:29**
